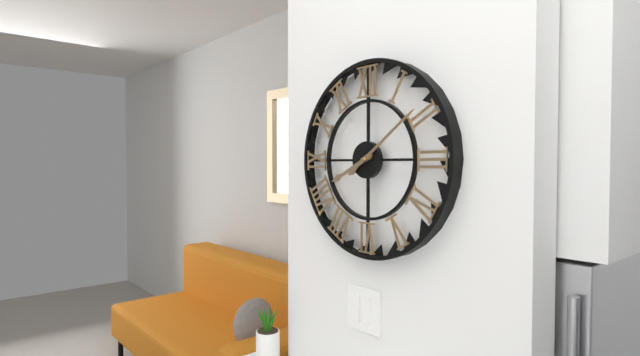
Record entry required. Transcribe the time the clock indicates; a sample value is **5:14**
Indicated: **8:09**
